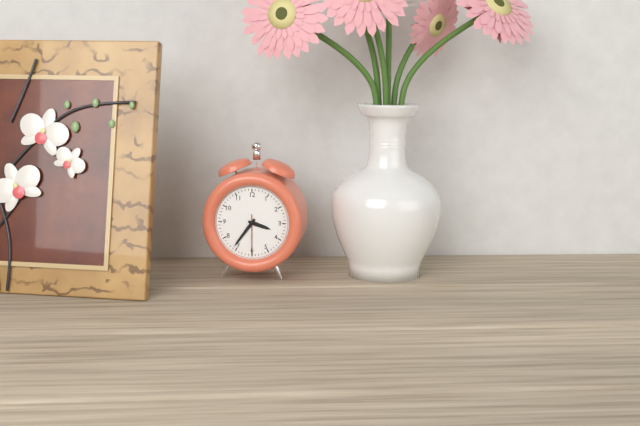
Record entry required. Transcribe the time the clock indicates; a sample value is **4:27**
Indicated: **3:36**
